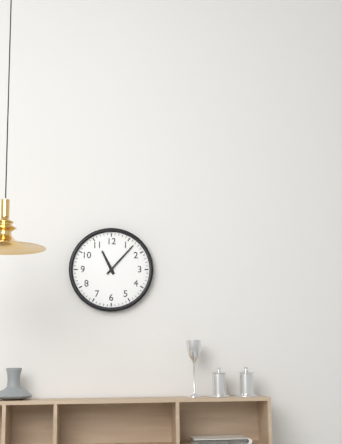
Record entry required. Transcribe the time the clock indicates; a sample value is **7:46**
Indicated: **11:07**
